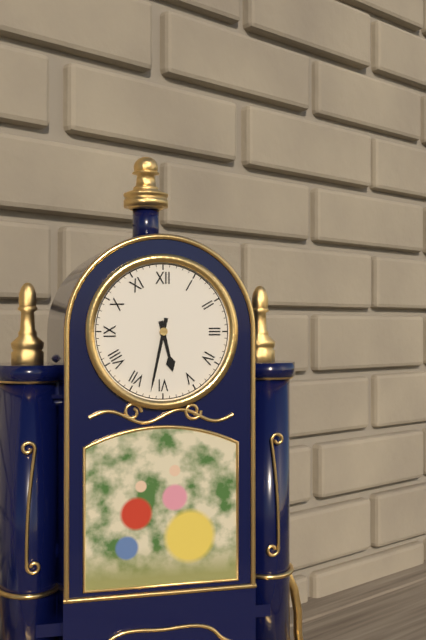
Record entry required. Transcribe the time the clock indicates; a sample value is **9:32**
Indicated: **5:32**
